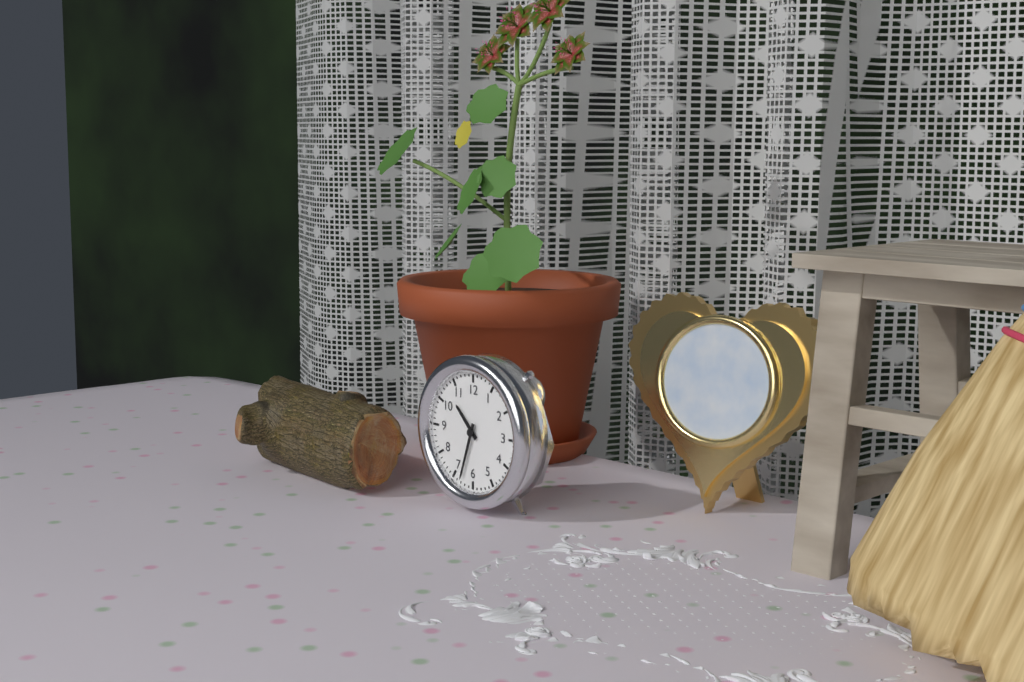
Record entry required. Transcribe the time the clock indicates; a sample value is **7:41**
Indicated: **10:33**
